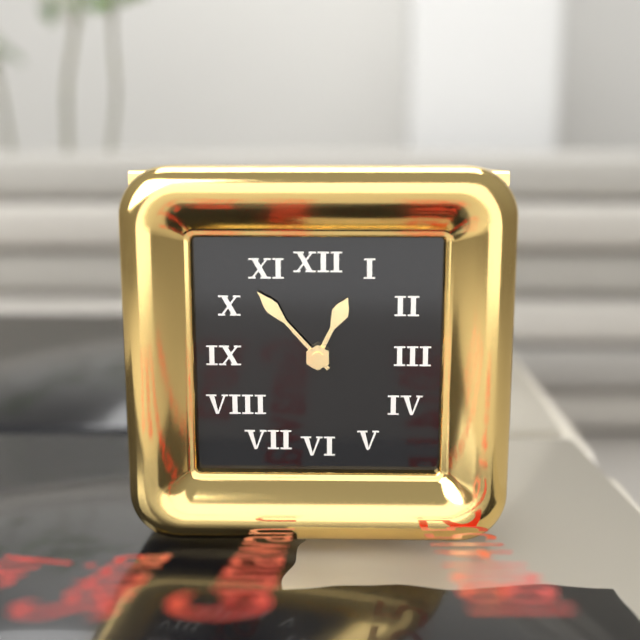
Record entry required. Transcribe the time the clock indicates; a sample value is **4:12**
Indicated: **12:53**
